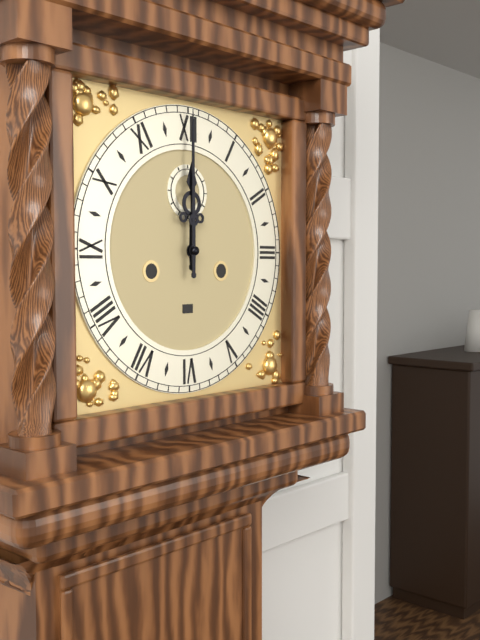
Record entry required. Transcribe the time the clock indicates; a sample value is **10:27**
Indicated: **12:00**
